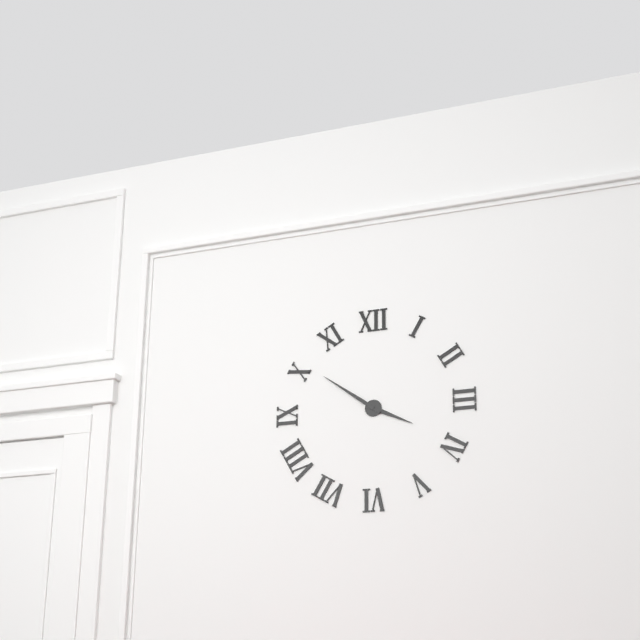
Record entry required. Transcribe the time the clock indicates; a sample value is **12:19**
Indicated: **3:51**
